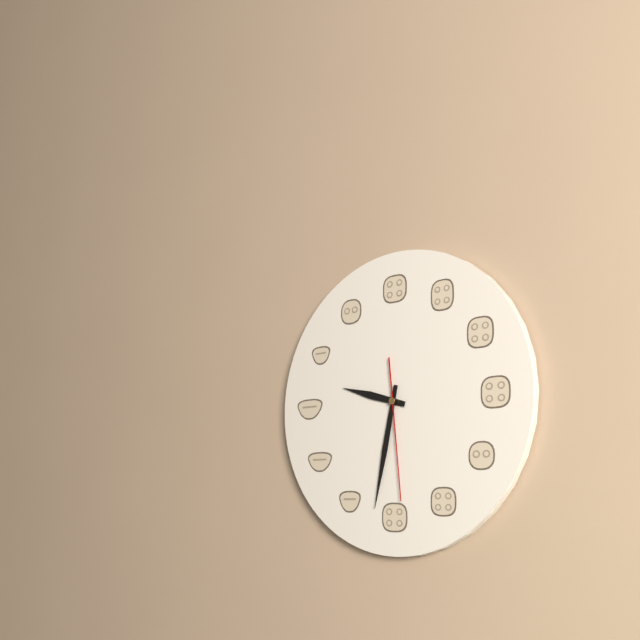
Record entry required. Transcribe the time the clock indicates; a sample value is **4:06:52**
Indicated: **9:32:29**
